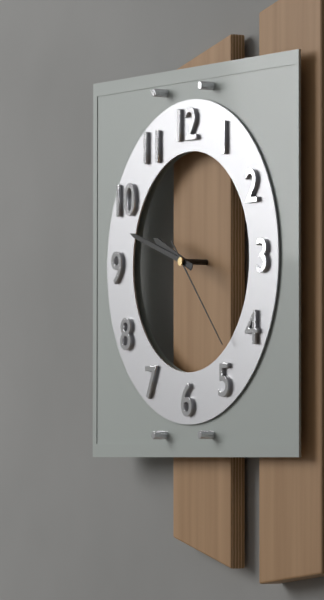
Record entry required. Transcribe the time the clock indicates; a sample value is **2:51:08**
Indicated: **9:48:23**
